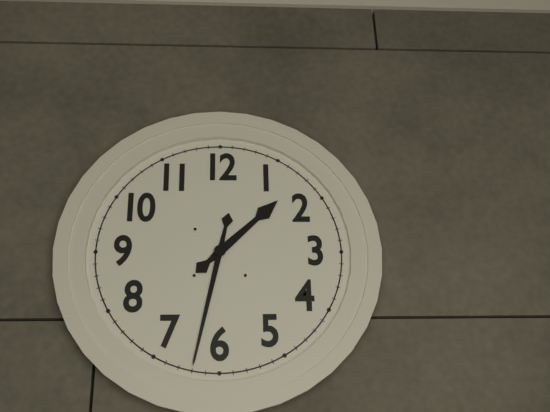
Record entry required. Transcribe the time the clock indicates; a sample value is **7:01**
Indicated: **1:32**
